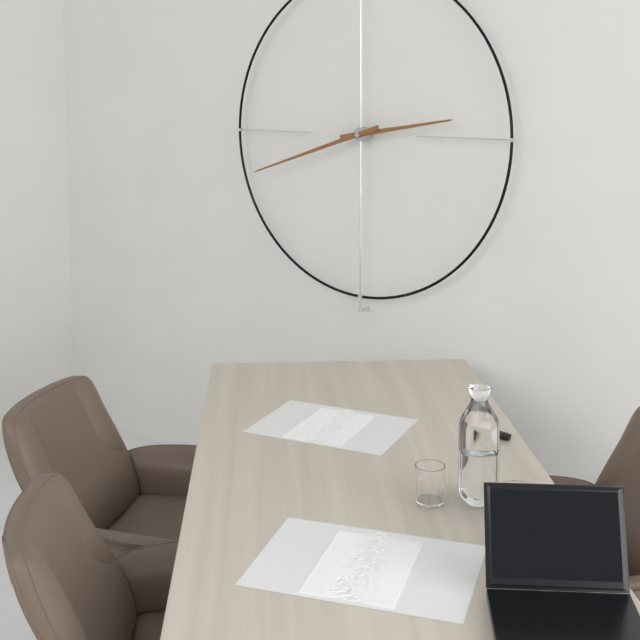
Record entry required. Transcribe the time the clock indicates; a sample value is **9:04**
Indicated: **2:42**
